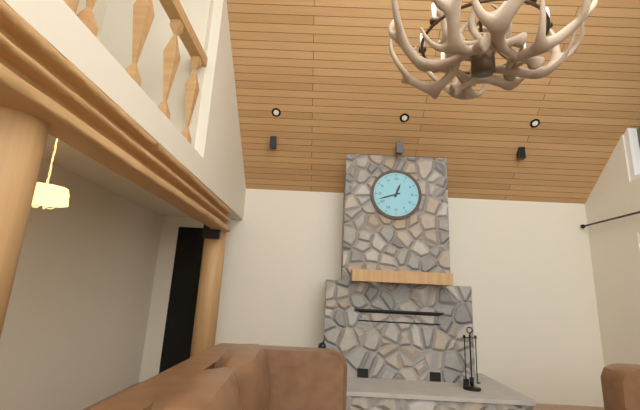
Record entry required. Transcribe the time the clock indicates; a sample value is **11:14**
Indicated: **12:42**
